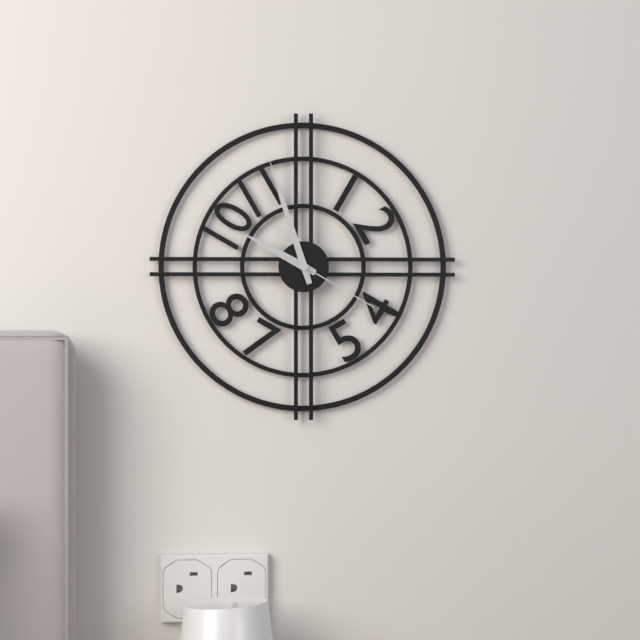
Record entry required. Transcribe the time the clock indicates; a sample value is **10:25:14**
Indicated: **9:57:20**
